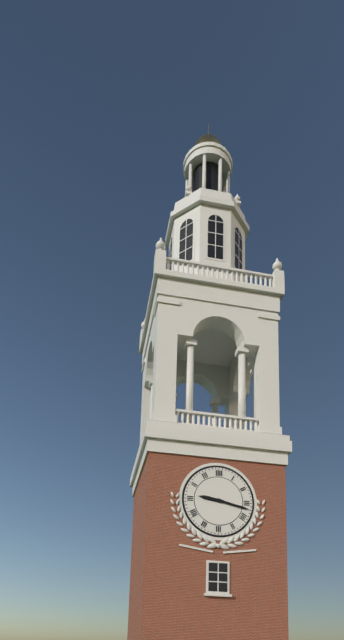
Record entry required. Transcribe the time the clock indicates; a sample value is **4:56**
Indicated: **9:17**
